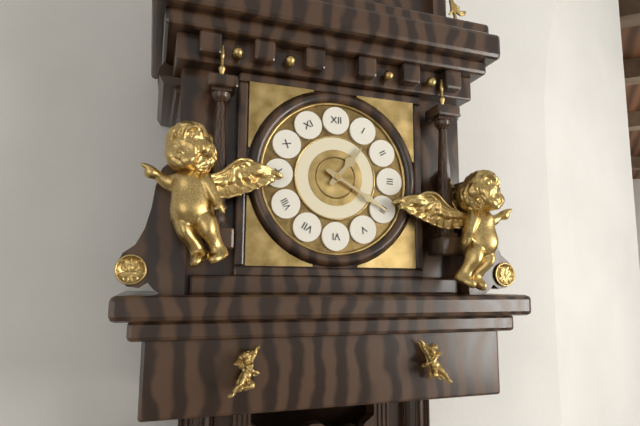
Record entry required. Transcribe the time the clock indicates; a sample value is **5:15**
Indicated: **1:20**
